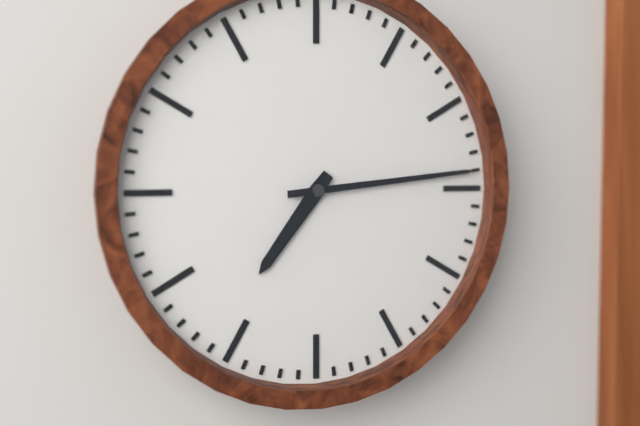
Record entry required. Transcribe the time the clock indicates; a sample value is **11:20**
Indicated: **7:14**
